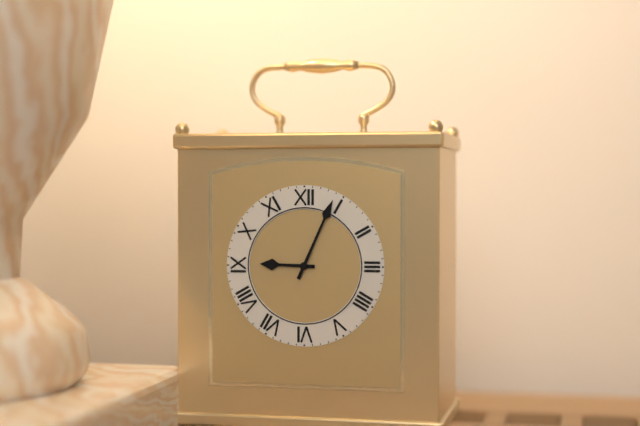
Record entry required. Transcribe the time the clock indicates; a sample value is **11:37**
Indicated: **9:04**
